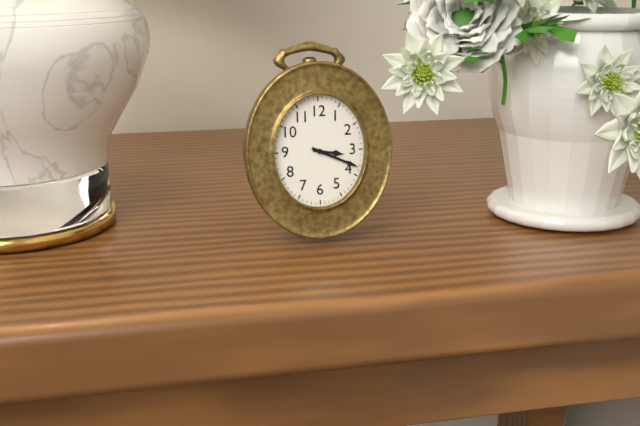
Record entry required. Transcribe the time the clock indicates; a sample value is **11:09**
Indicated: **3:19**
